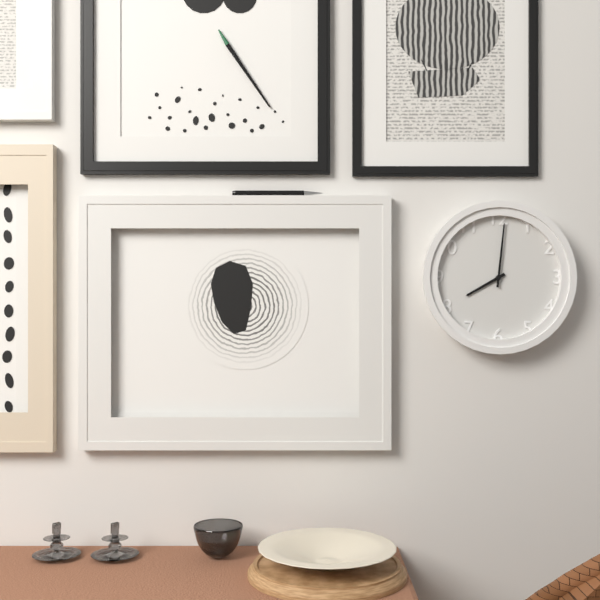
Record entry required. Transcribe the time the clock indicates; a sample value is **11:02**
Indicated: **8:01**
